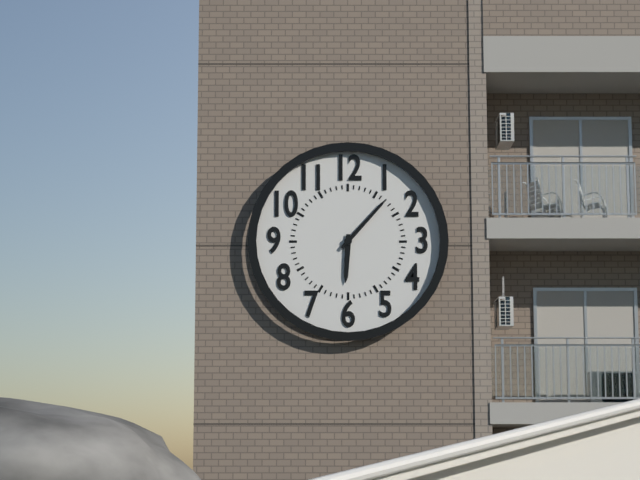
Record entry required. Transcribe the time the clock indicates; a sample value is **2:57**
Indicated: **6:07**
